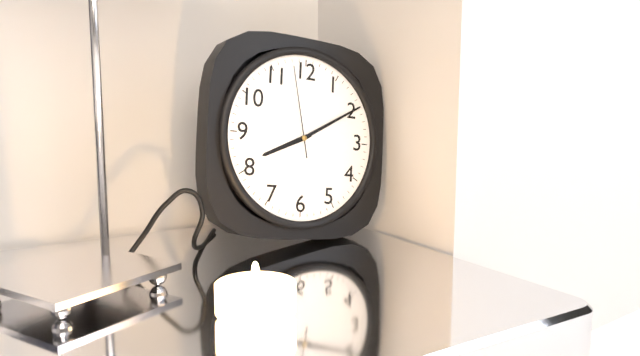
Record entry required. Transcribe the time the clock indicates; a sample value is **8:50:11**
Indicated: **8:10:58**
